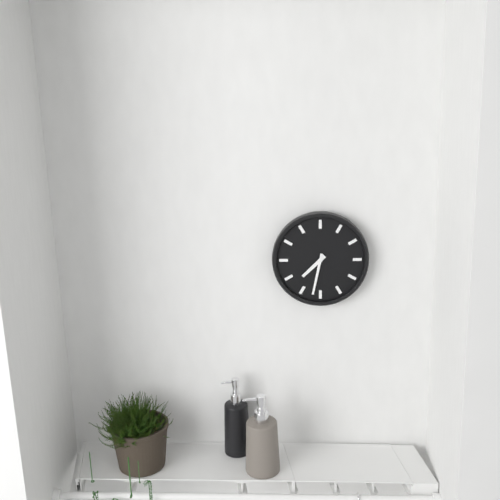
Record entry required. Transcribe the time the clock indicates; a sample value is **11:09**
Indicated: **7:32**
